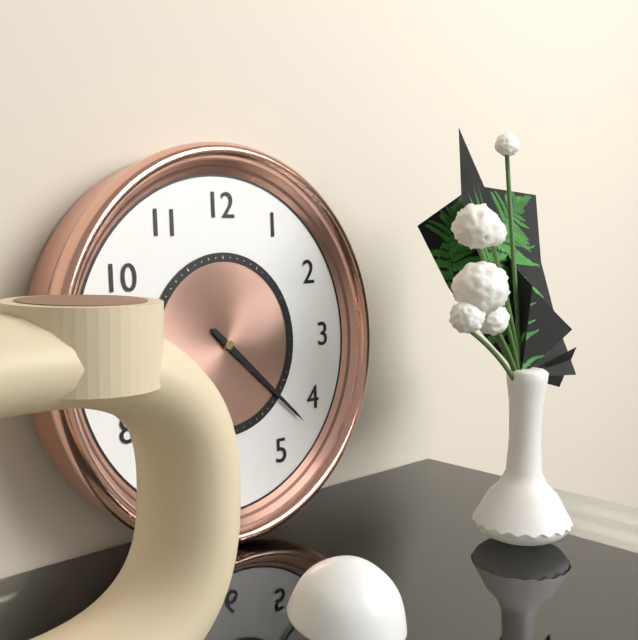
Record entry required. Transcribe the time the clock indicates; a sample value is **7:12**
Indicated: **4:22**
